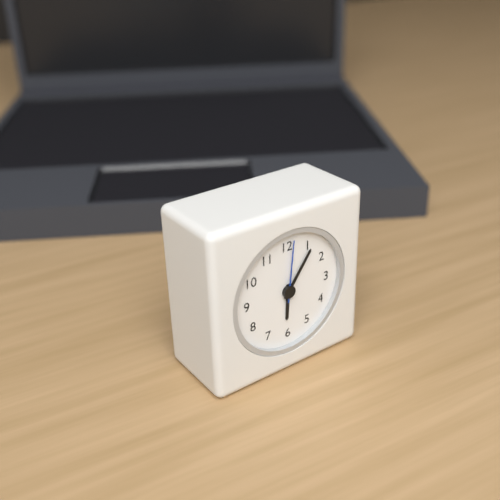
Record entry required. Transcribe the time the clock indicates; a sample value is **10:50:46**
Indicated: **6:06:01**
